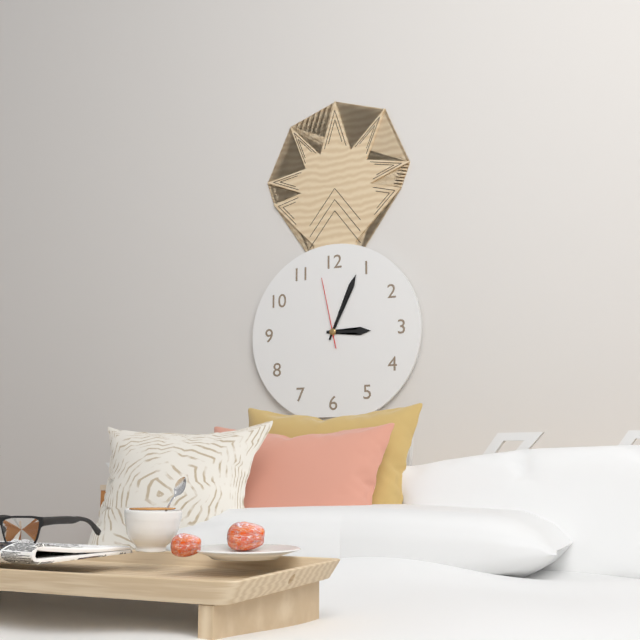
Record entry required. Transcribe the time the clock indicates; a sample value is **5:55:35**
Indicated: **3:04:58**
